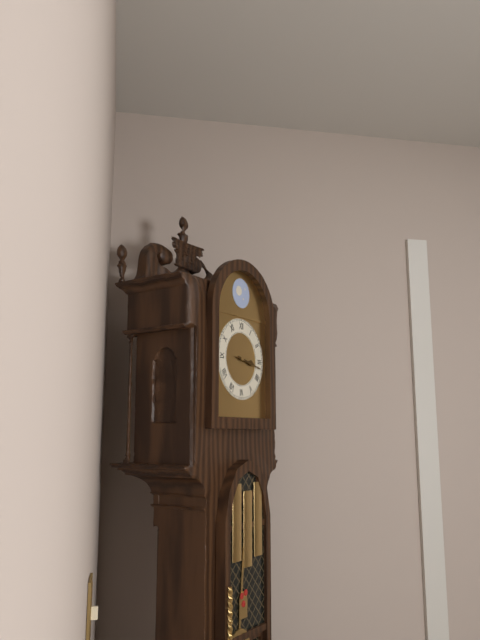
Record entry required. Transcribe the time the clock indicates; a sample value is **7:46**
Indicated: **3:17**
